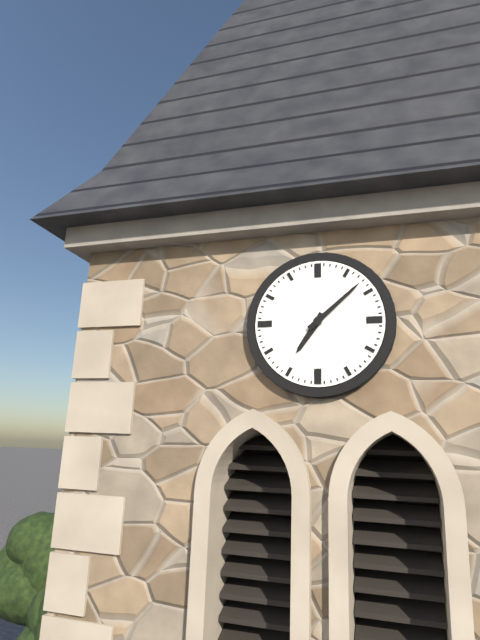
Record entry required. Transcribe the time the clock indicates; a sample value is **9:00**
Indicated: **7:08**
